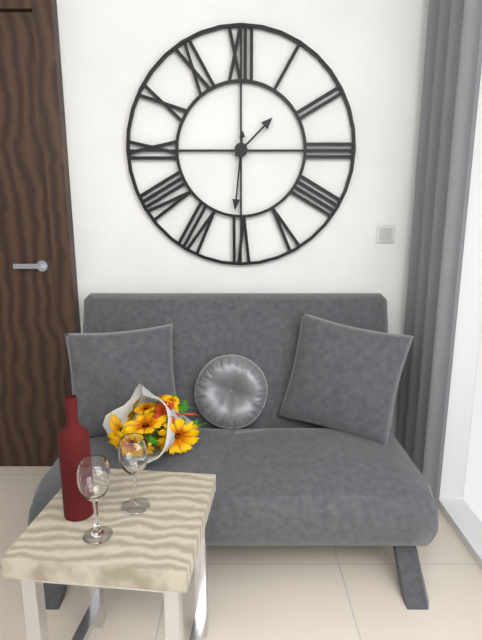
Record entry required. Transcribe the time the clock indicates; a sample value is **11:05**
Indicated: **1:31**
